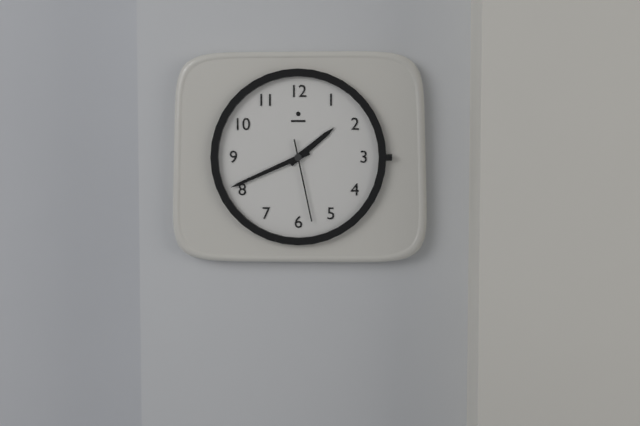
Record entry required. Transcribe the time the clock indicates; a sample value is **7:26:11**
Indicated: **1:41:28**
